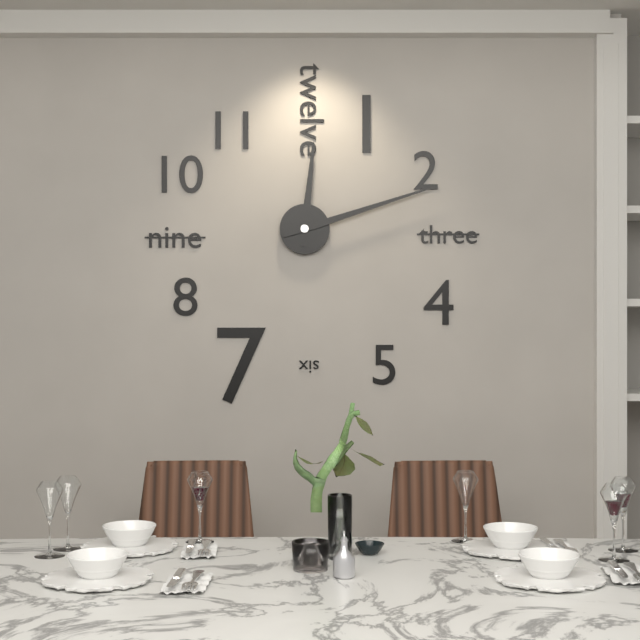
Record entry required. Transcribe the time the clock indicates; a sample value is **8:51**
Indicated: **12:12**
